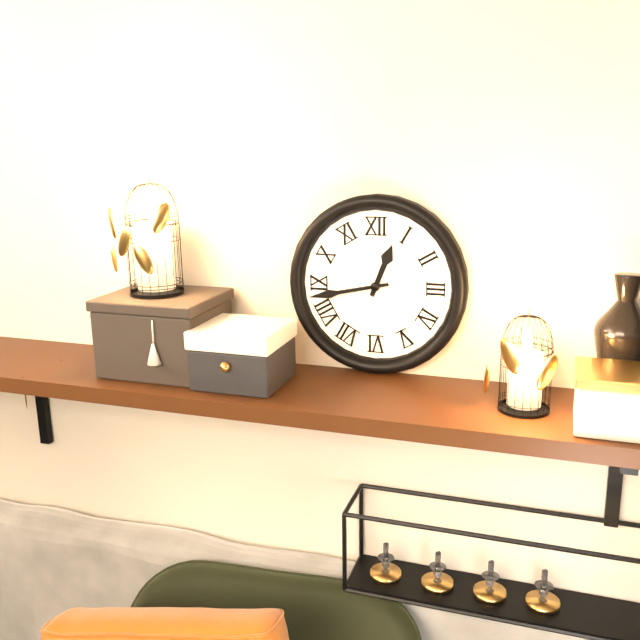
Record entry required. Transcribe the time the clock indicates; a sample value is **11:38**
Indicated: **12:43**
